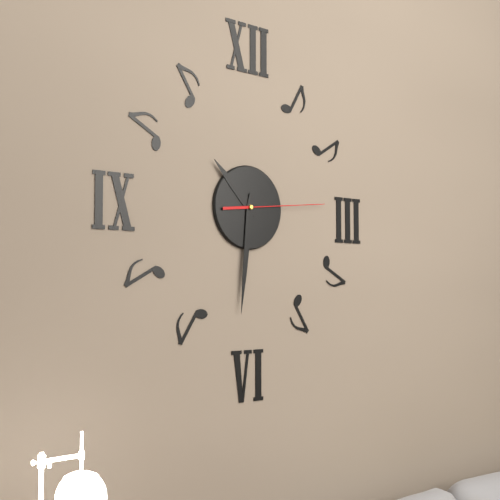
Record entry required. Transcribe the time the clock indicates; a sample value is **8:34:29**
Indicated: **10:31:14**
